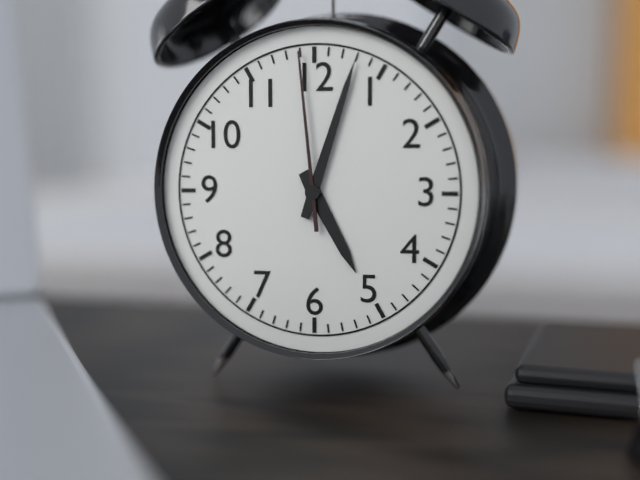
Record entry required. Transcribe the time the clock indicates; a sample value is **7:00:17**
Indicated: **5:03:59**
